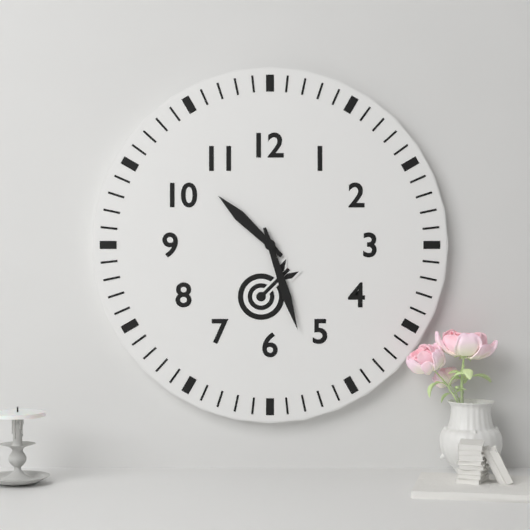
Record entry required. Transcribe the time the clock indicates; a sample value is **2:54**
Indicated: **10:27**
